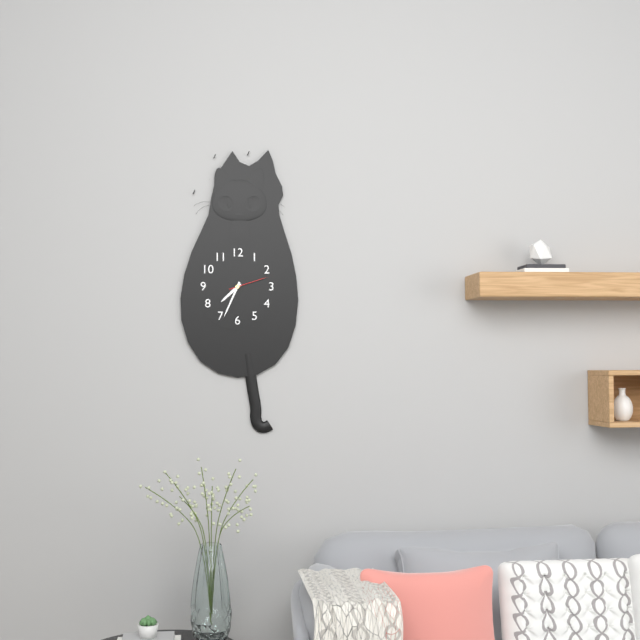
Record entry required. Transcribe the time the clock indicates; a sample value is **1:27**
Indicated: **7:34**
